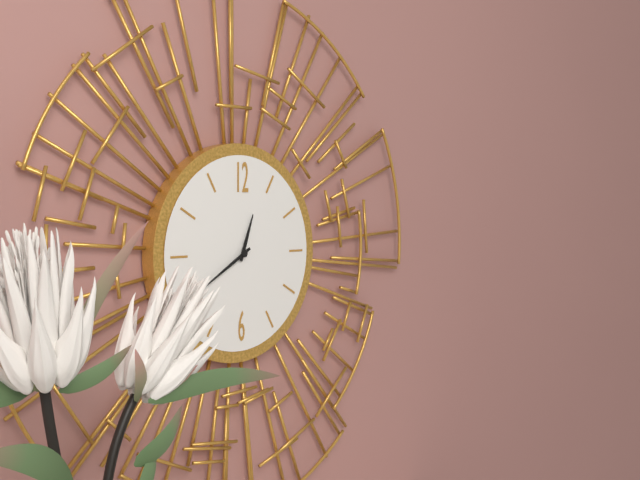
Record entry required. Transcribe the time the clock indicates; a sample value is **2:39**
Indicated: **12:40**
